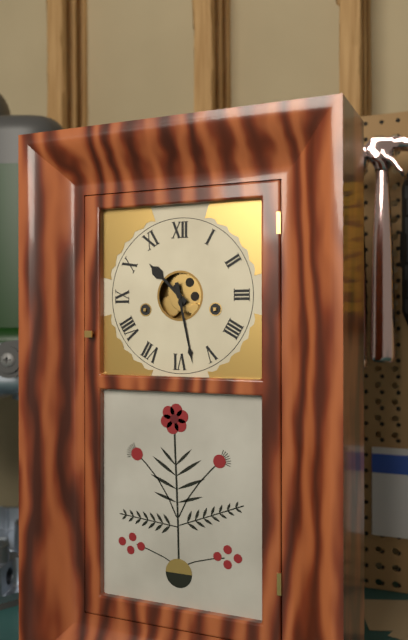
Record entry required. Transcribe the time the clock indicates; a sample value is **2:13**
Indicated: **10:28**
